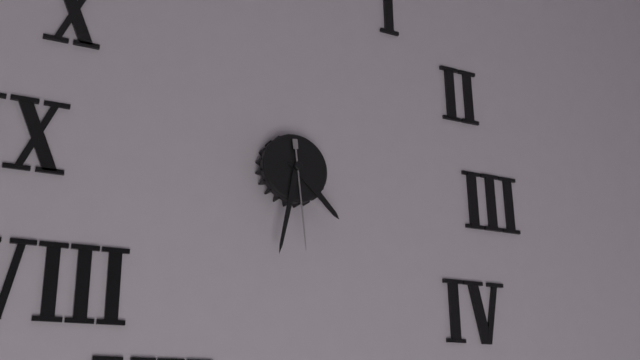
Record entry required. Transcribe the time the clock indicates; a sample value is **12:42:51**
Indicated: **4:32:29**
